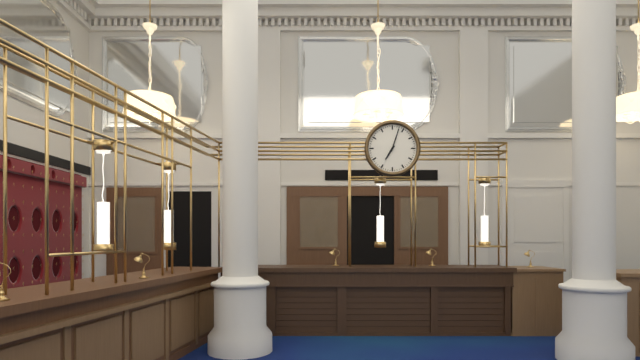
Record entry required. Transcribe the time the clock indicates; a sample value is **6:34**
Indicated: **7:03**
